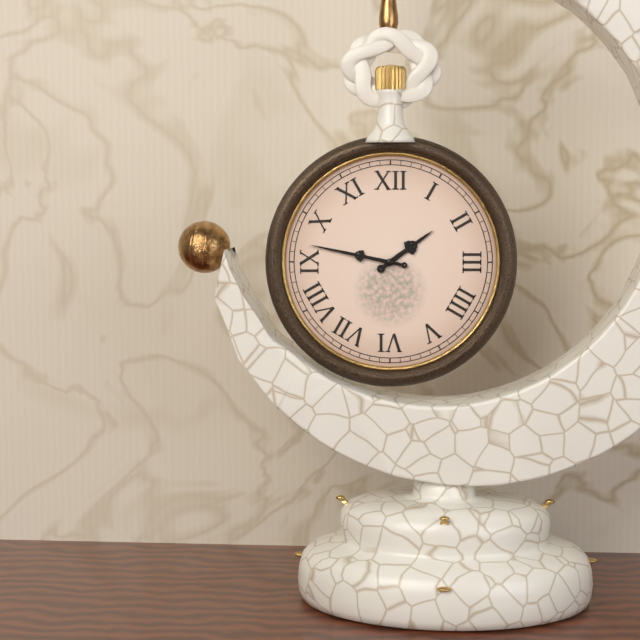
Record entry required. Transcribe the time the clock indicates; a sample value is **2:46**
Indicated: **1:47**
